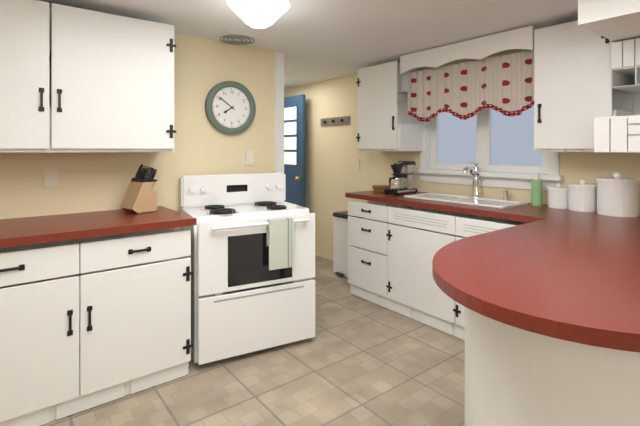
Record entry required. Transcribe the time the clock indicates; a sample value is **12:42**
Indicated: **7:51**
